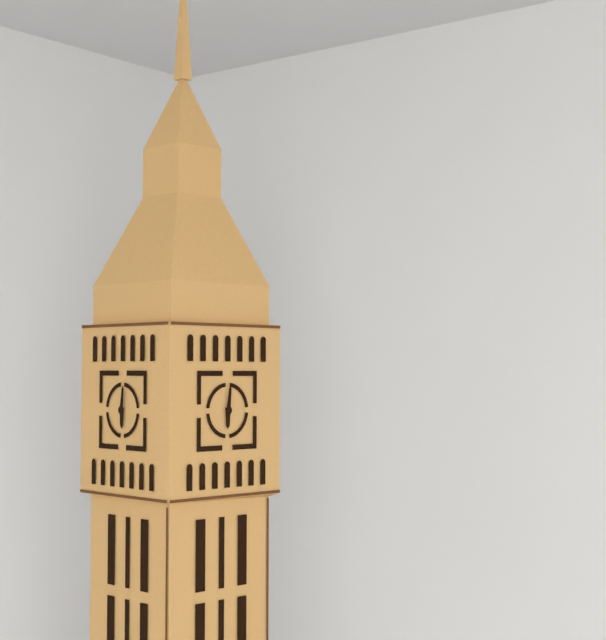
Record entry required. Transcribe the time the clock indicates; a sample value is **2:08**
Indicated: **6:01**
